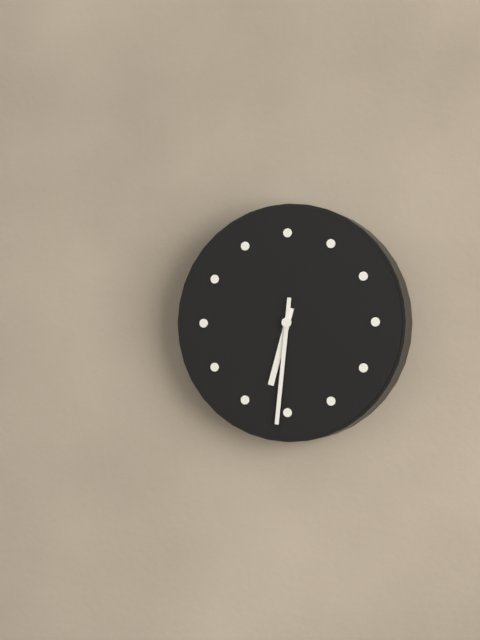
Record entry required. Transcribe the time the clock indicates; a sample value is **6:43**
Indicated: **6:31**
